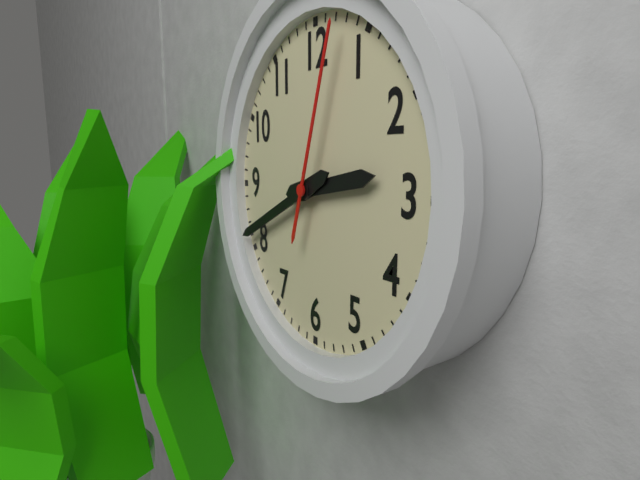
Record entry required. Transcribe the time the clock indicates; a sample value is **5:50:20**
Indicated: **2:41:03**
